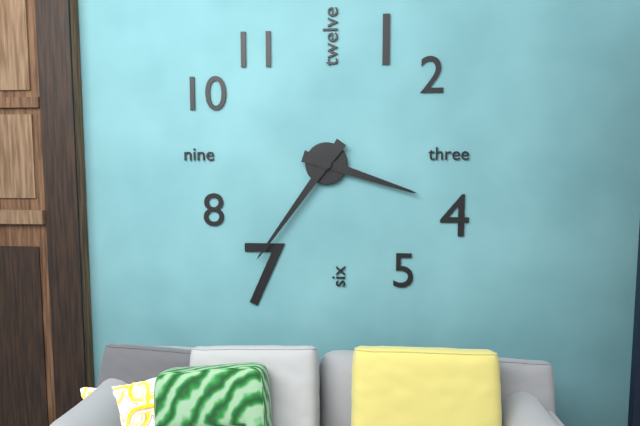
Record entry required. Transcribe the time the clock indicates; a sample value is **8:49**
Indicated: **3:36**
